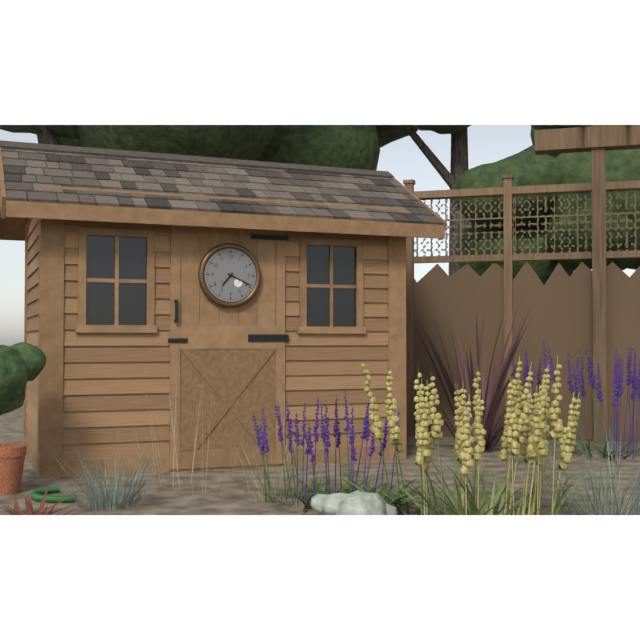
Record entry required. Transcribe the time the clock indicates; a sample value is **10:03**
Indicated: **7:19**
